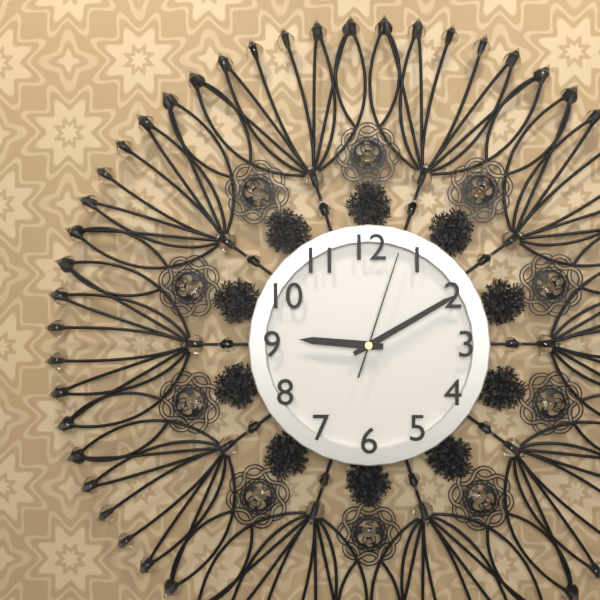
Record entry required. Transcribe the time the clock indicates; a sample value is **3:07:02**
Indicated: **9:10:03**
